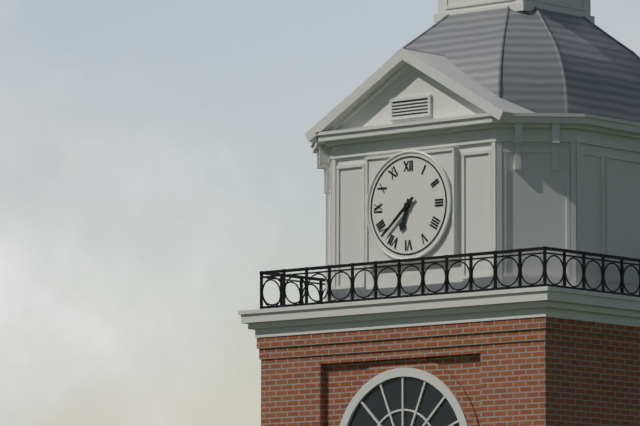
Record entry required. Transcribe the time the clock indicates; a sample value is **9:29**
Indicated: **6:38**
